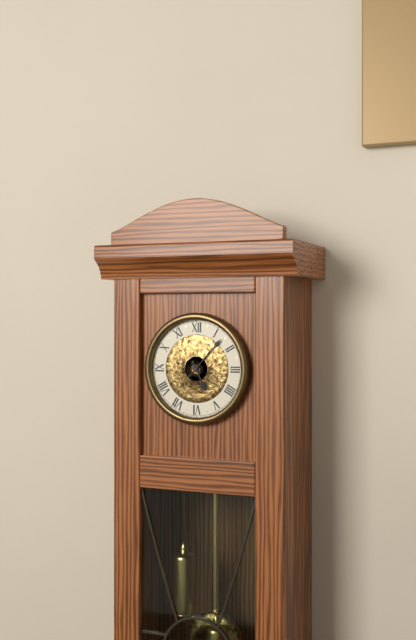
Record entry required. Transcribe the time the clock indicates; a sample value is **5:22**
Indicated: **5:07**
